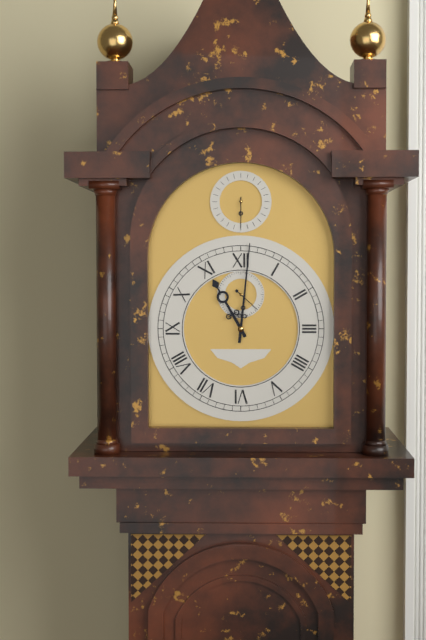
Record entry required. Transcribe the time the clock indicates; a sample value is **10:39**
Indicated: **11:01**
